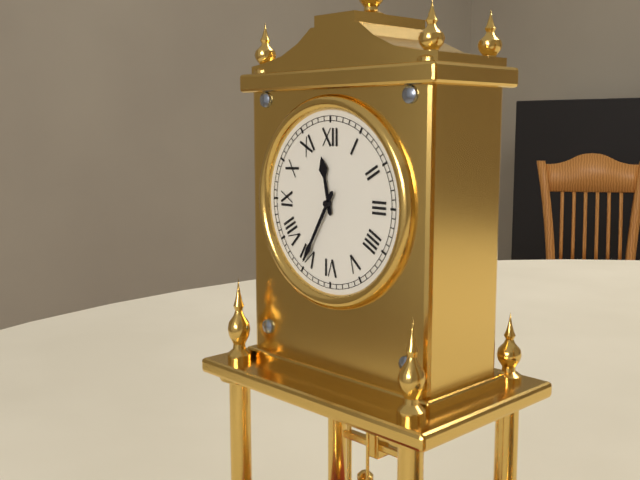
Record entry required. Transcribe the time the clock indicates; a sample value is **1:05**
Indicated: **11:35**
